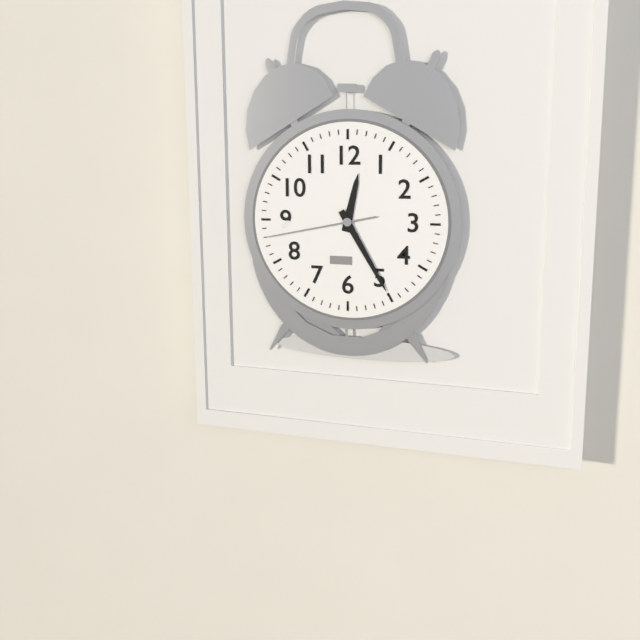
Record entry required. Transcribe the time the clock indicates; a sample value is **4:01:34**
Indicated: **12:25:43**
